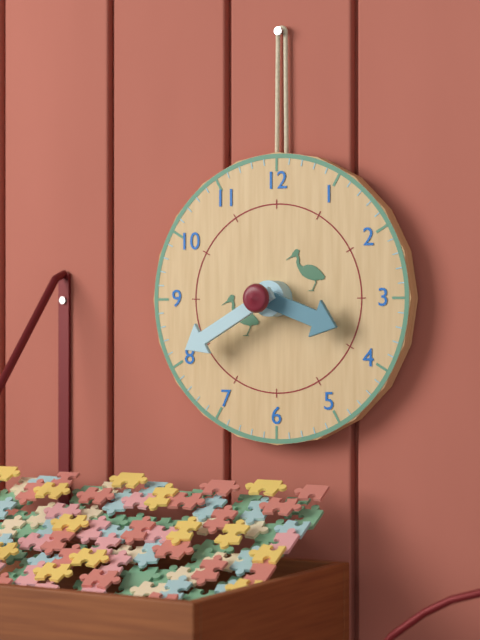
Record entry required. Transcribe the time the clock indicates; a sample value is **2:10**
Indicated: **3:40**
